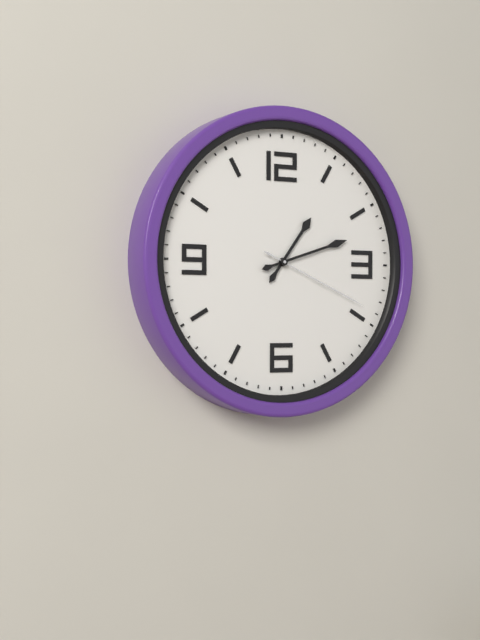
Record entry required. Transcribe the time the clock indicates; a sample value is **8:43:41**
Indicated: **1:12:19**
